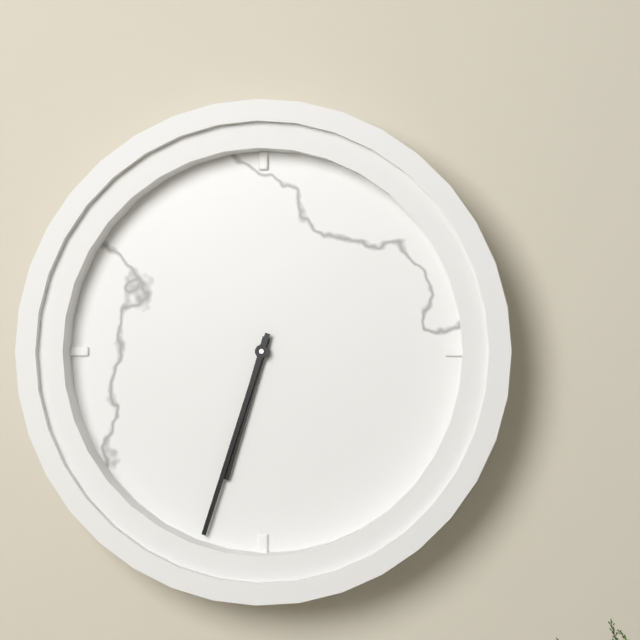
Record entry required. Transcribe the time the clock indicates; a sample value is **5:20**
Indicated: **6:33**
